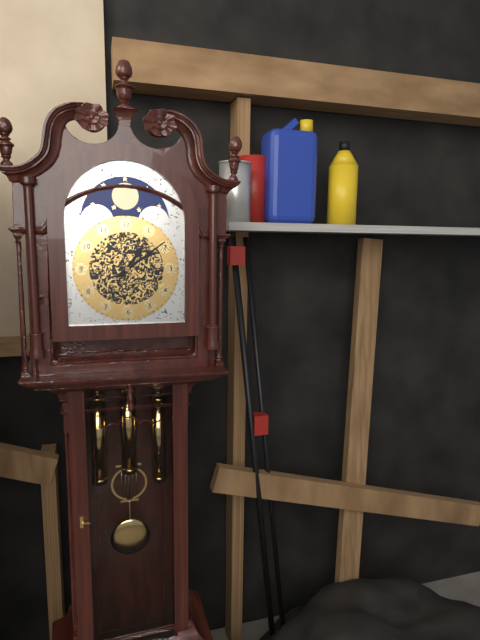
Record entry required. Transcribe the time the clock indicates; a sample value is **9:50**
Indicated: **1:09**
